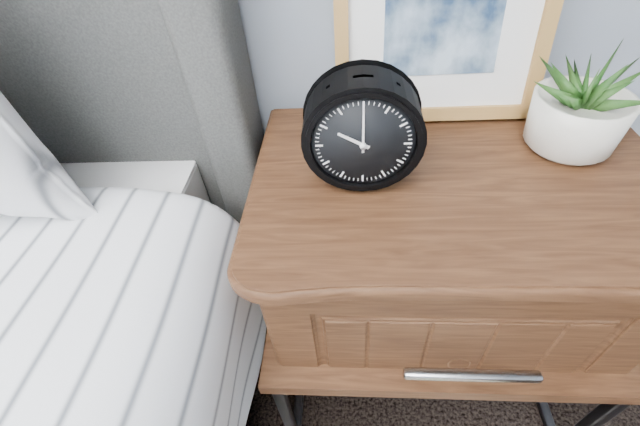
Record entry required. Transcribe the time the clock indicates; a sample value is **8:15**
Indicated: **10:00**
